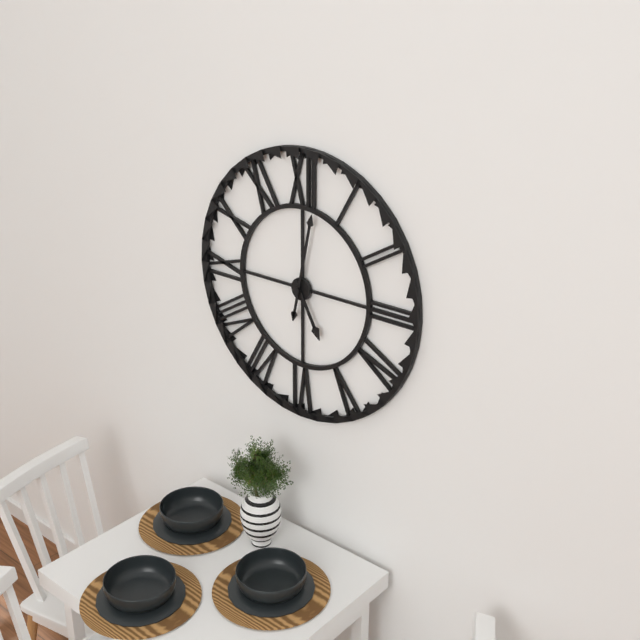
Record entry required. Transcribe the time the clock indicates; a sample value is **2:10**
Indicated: **5:02**
